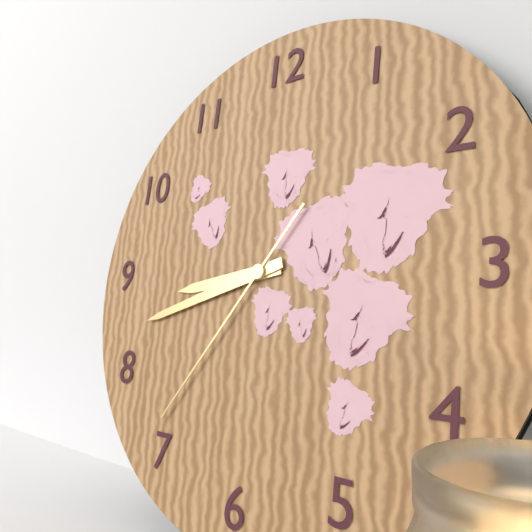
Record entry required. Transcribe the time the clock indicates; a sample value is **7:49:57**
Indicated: **8:42:36**
